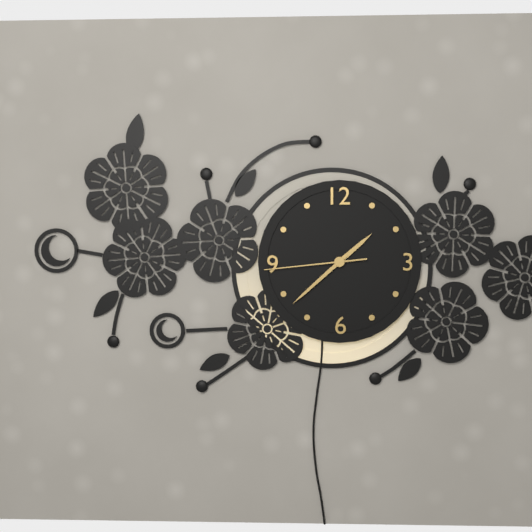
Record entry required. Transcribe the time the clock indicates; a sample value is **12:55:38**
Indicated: **1:38:44**
